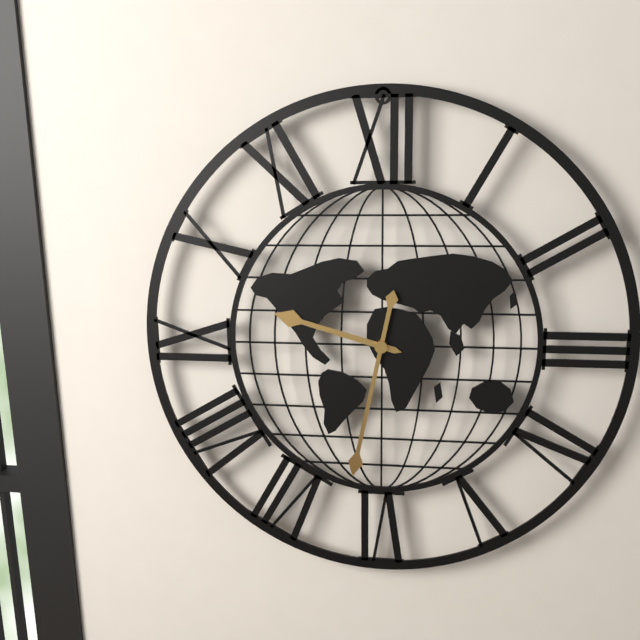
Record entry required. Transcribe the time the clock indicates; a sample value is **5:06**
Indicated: **9:32**
